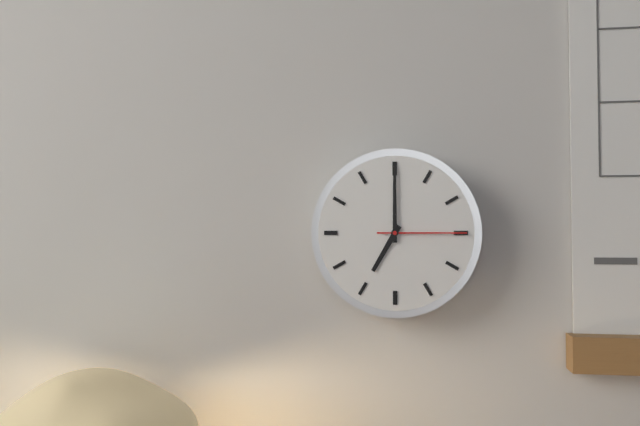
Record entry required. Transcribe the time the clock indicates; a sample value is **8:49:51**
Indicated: **7:00:15**
